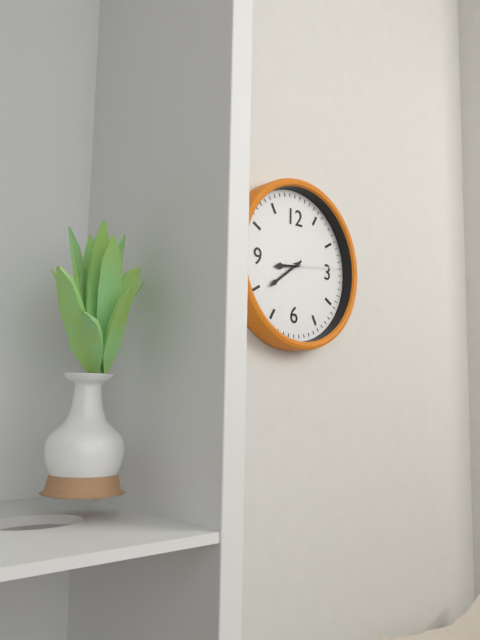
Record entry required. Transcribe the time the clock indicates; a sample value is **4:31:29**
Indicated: **8:39:14**
